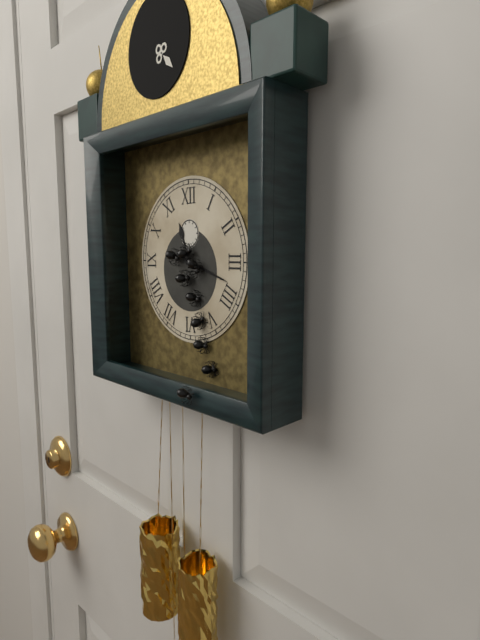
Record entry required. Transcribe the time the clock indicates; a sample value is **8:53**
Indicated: **11:18**
